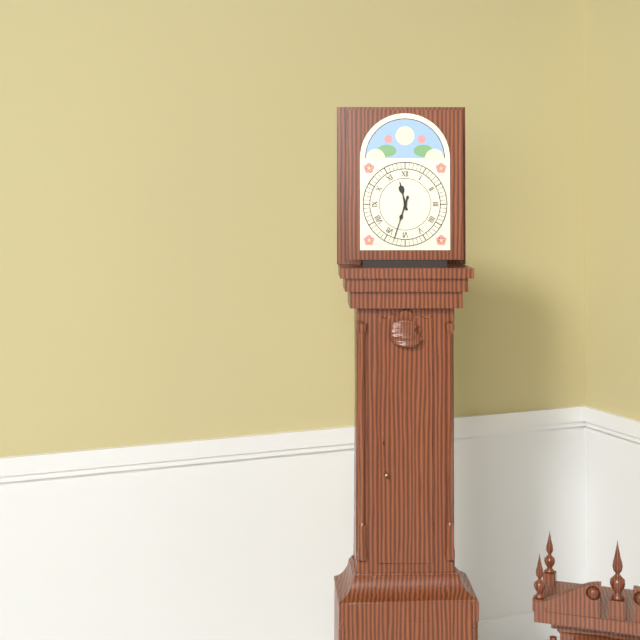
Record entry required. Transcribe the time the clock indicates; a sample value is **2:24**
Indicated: **11:33**
